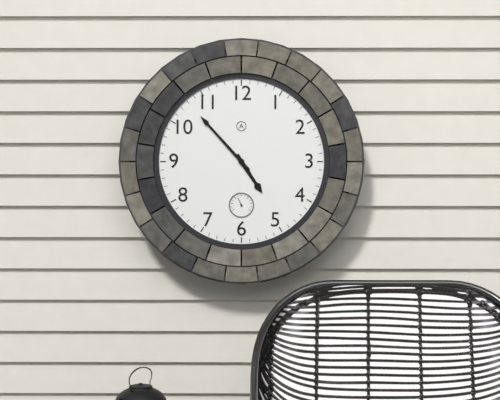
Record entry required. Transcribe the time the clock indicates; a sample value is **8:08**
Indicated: **4:53**
